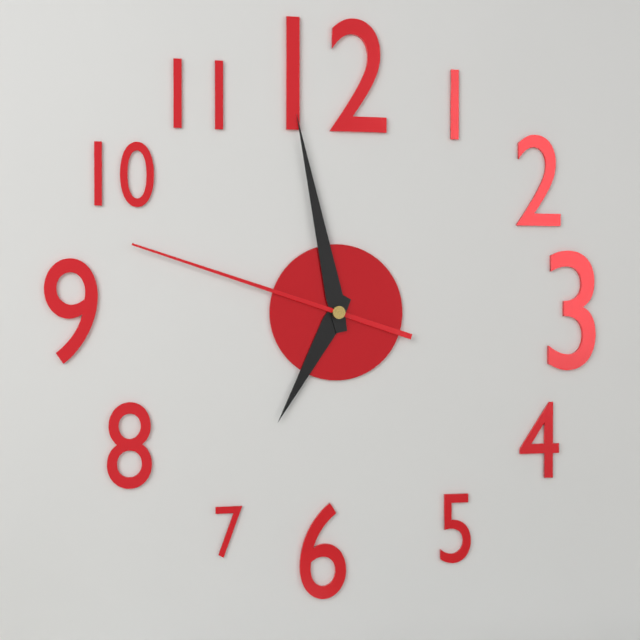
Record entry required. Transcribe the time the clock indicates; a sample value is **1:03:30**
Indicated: **6:58:48**
